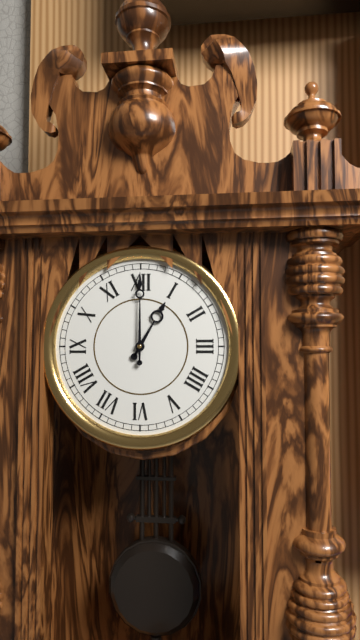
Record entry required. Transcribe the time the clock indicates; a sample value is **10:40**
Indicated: **1:00**
